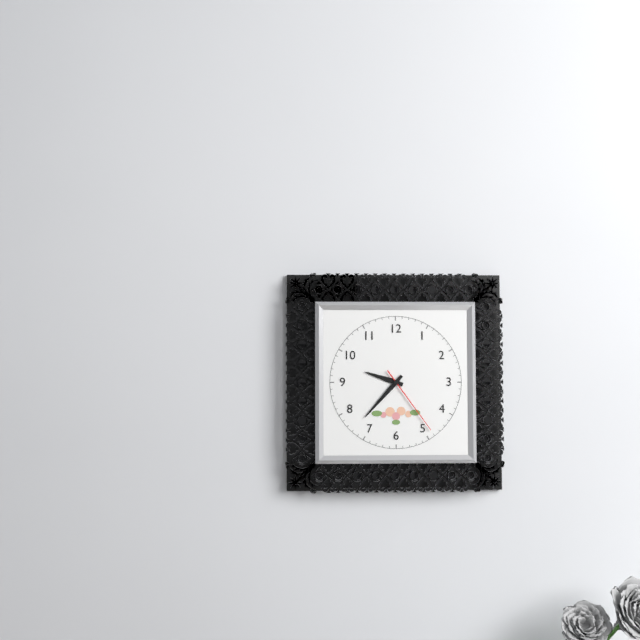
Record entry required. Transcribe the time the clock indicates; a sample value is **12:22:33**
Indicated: **9:37:24**
